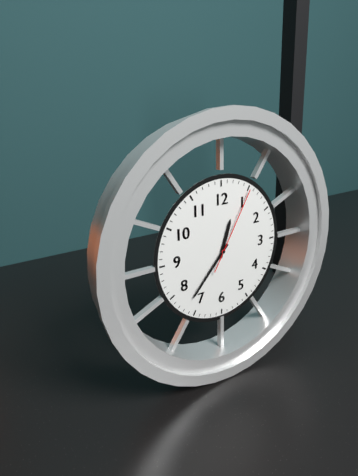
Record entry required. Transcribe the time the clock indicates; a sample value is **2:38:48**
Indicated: **12:37:05**
